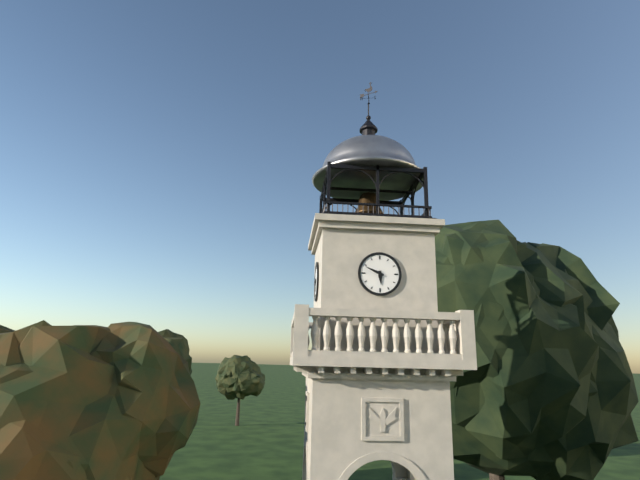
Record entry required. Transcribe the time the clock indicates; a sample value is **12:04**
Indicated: **5:49**
